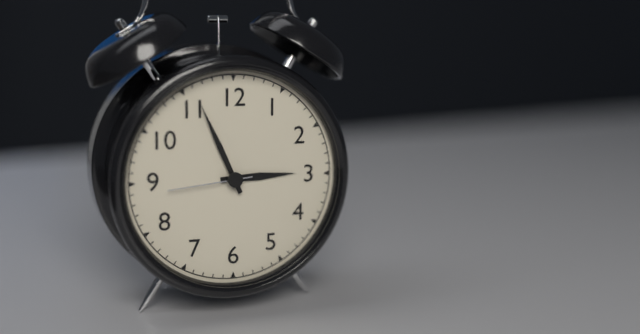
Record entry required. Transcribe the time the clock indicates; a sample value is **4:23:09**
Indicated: **2:56:44**
